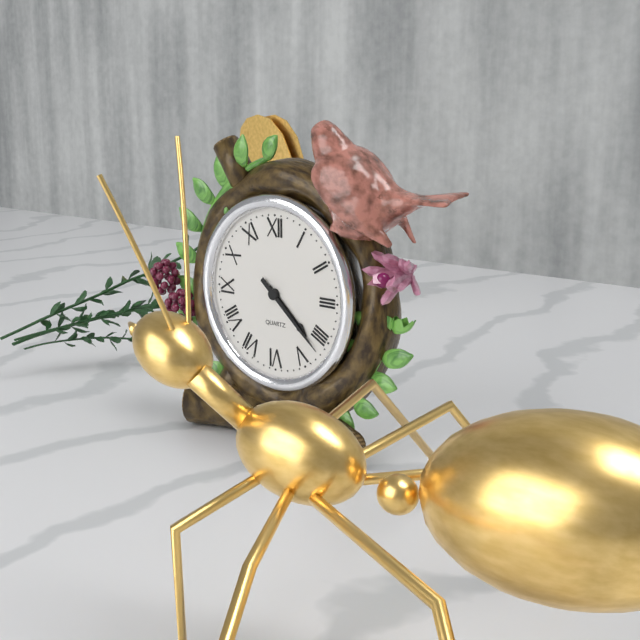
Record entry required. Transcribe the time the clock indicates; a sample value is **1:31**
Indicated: **4:22**
